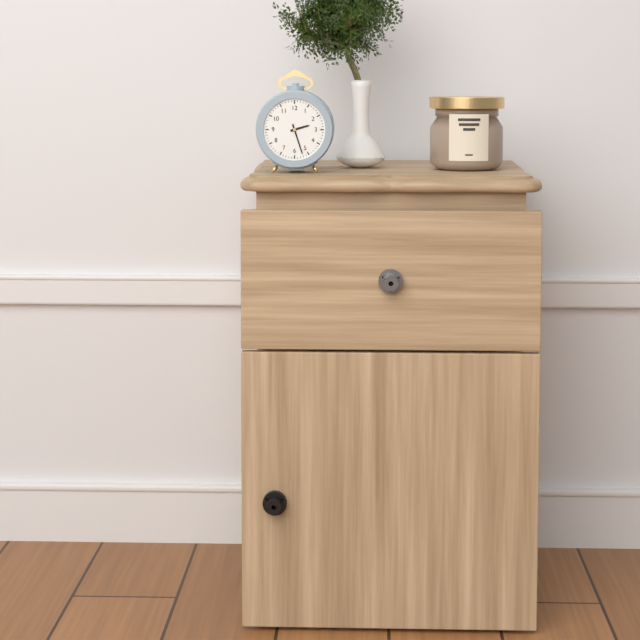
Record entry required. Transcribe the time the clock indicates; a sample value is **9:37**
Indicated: **2:27**
